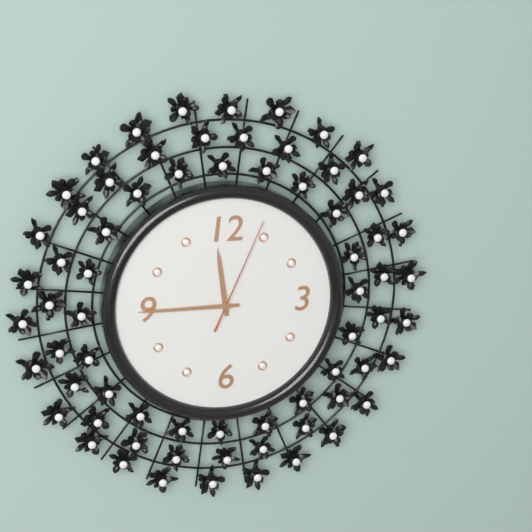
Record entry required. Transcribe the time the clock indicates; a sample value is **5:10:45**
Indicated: **11:45:04**
